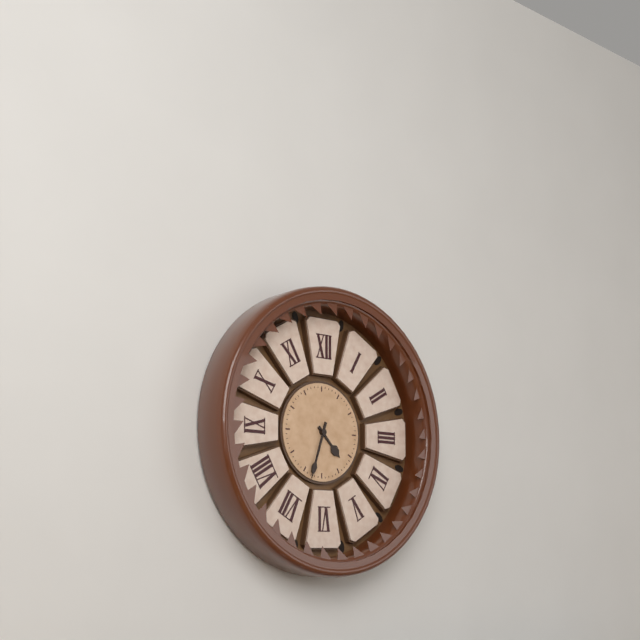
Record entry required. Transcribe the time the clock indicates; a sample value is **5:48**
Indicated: **4:33**
